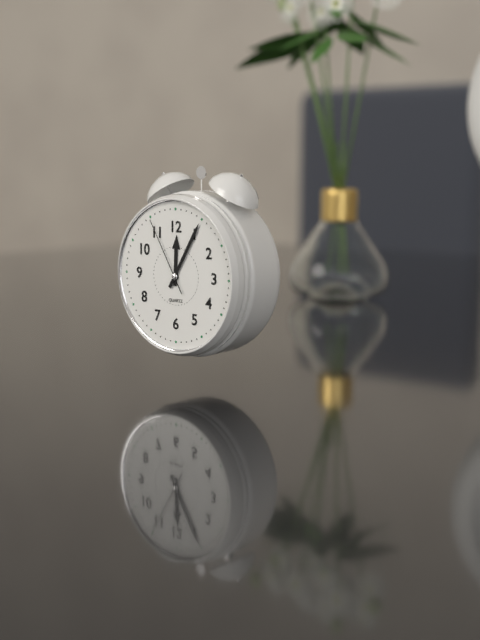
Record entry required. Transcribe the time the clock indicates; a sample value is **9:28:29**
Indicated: **12:05:55**
